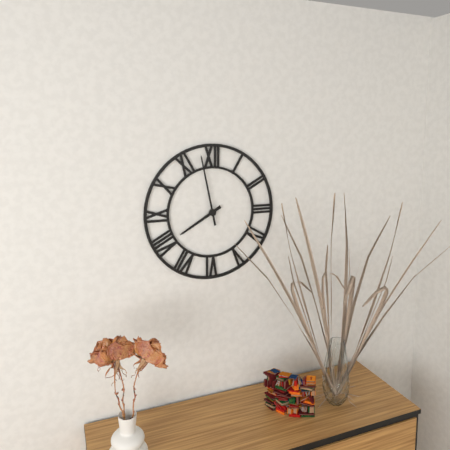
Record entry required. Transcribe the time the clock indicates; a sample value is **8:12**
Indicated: **7:58**
